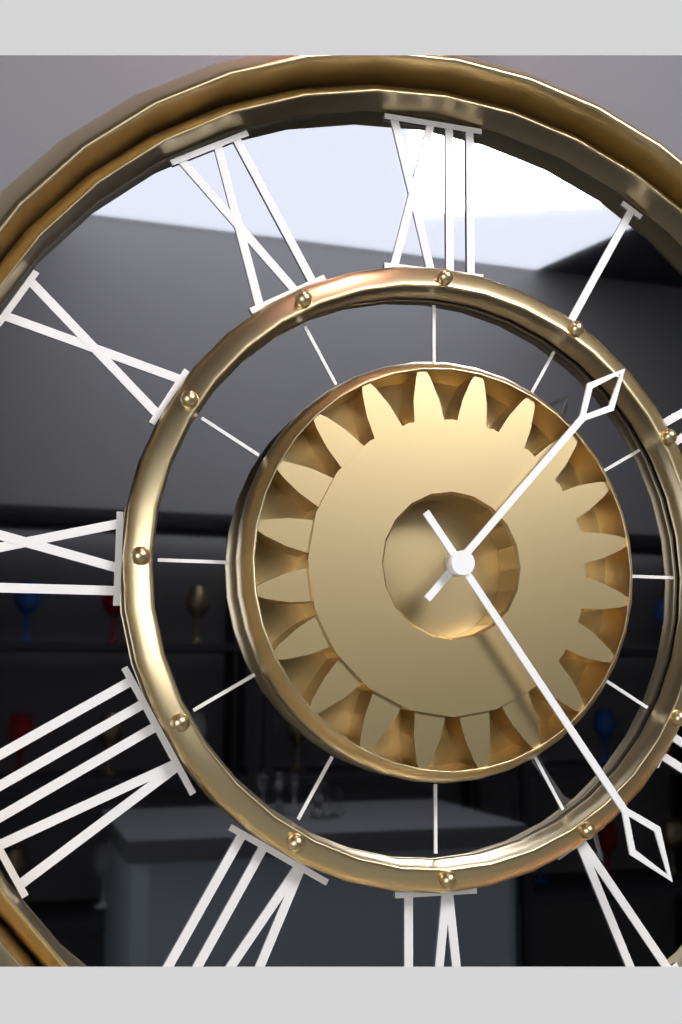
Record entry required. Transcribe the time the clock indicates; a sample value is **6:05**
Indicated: **1:24**
